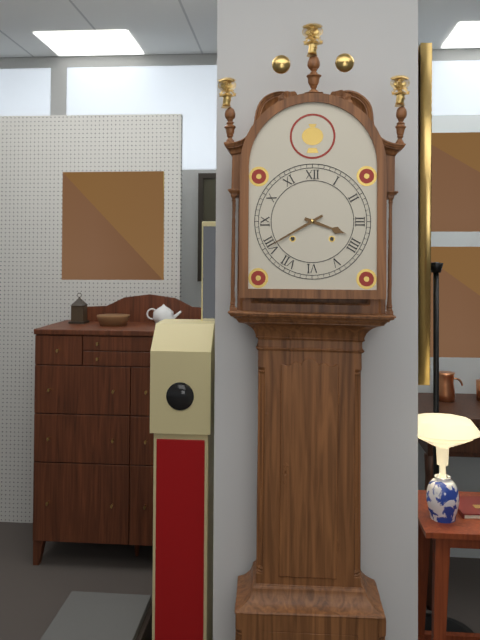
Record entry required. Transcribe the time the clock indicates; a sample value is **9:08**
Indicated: **3:40**
